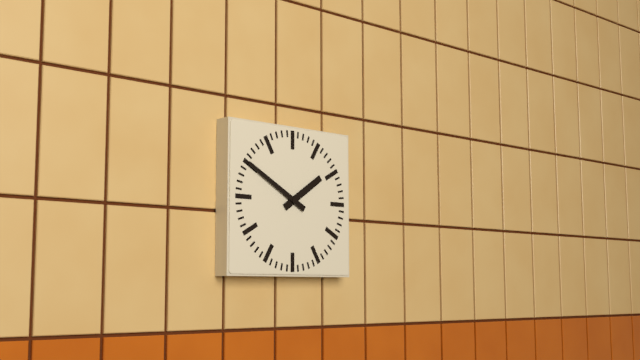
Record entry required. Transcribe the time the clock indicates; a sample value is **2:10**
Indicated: **1:50**
